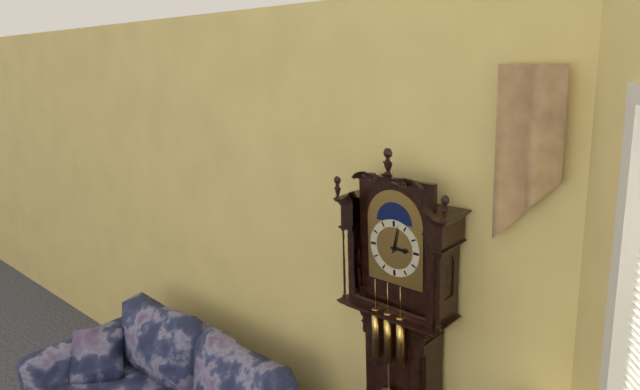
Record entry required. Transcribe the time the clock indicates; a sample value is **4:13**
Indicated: **3:02**
